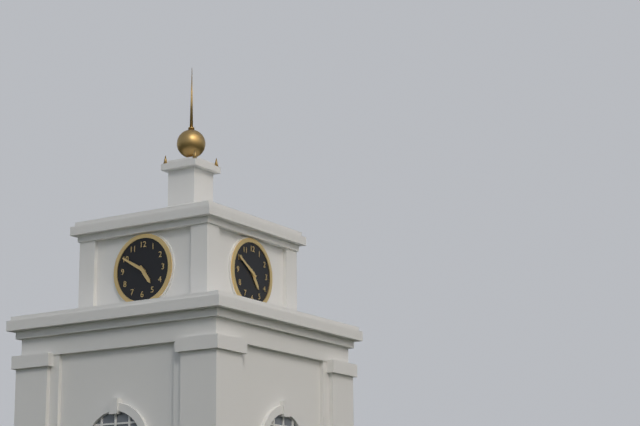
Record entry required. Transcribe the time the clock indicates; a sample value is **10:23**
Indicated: **4:50**
